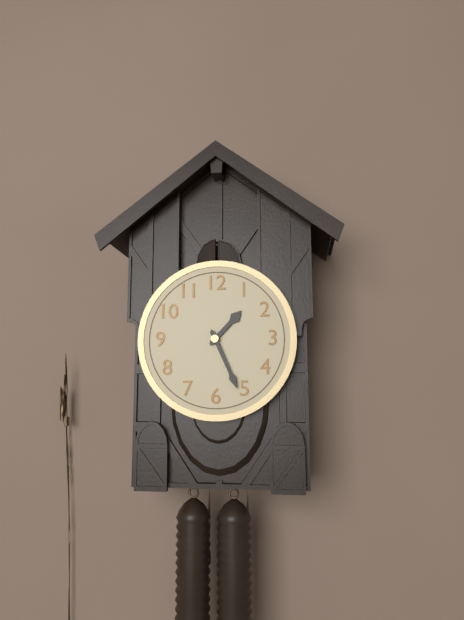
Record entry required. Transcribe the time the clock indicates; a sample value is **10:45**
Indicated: **1:26**
